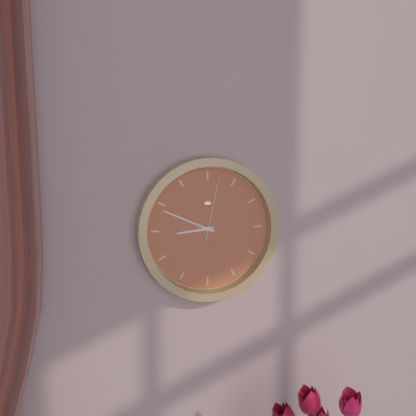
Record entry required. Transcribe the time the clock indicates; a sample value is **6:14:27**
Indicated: **8:49:02**
